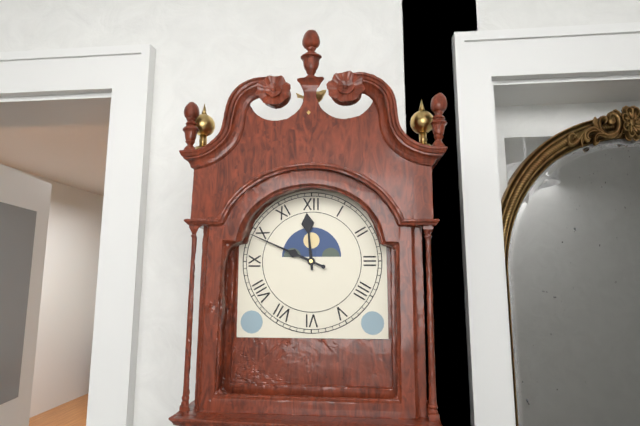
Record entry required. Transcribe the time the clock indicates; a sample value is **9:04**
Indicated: **11:49**
